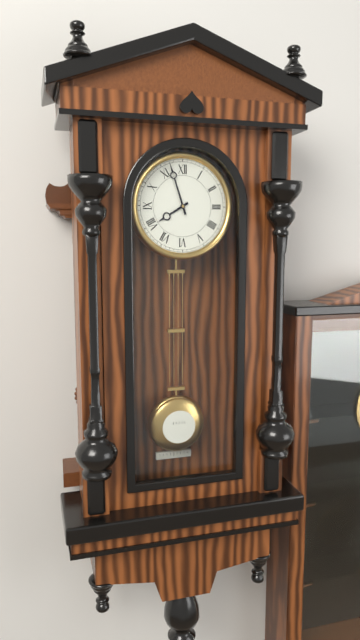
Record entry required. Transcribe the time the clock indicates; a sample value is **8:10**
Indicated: **7:57**
